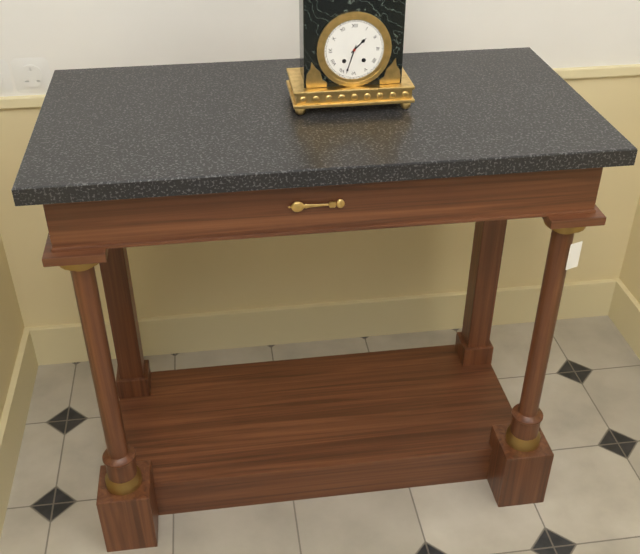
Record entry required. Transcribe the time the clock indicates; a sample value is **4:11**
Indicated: **1:33**
